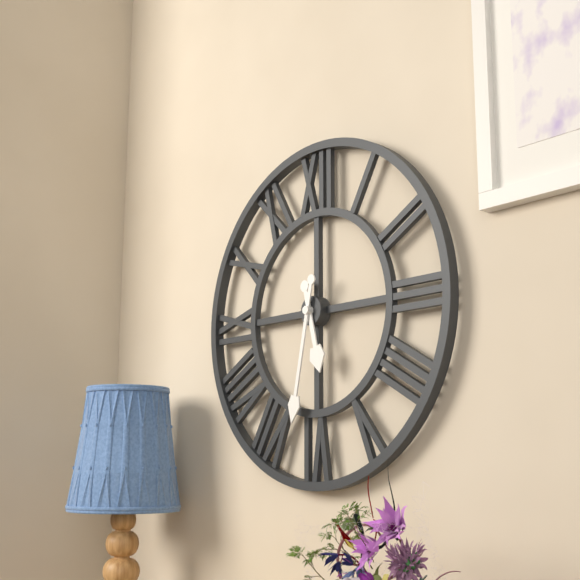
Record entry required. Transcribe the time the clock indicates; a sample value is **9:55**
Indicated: **5:32**
